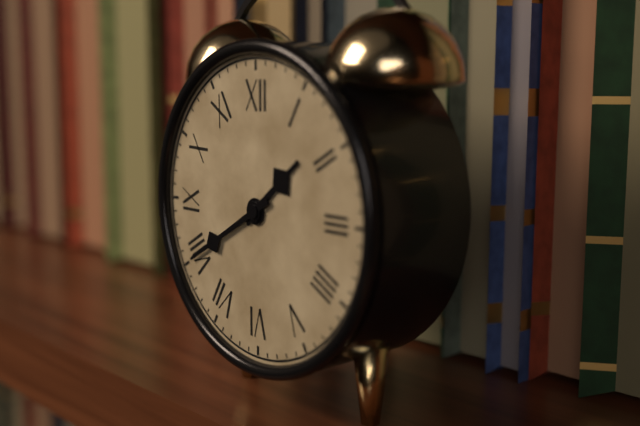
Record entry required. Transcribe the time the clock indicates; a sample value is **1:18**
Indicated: **1:40**
